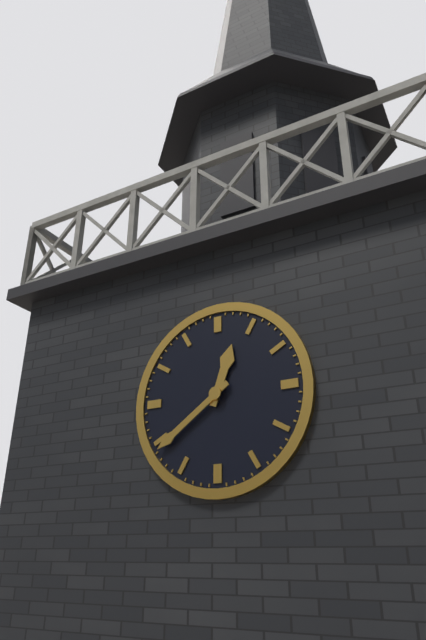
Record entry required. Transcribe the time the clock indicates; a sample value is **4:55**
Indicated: **12:39**
